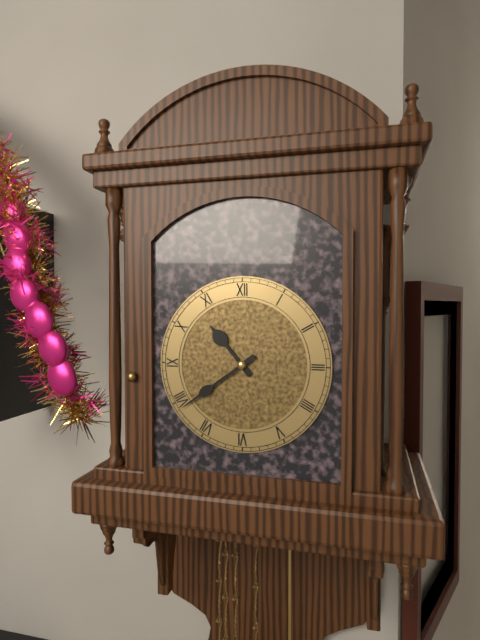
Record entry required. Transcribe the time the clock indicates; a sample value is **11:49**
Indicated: **10:39**
